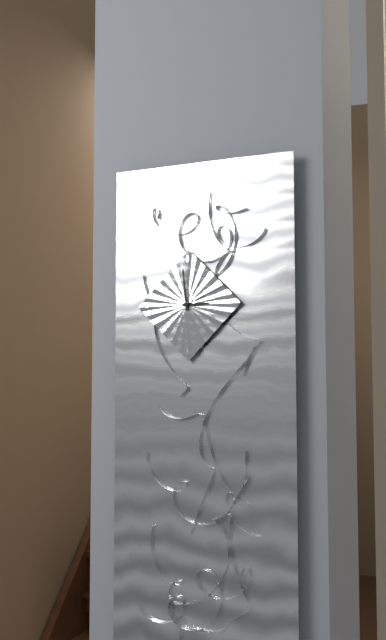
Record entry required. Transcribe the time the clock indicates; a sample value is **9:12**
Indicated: **2:59**
